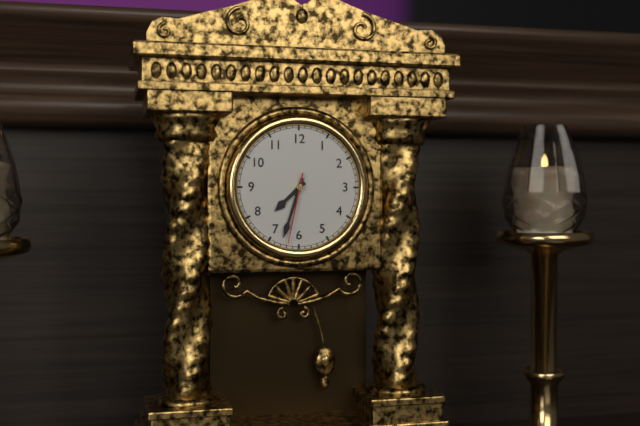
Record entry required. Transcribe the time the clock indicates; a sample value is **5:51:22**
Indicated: **7:33:32**
